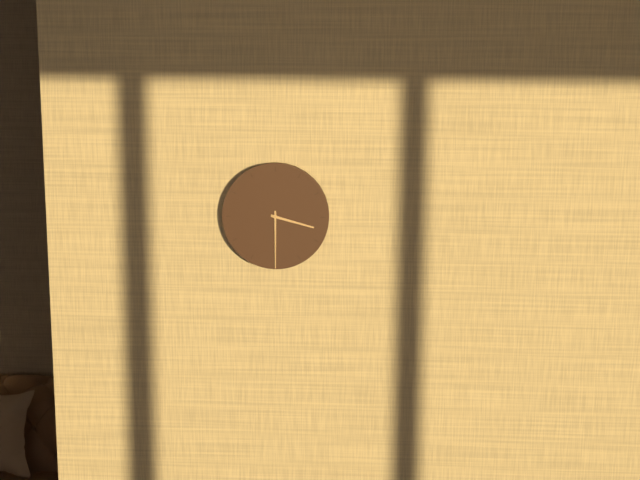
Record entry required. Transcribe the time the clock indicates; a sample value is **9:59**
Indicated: **3:30**
